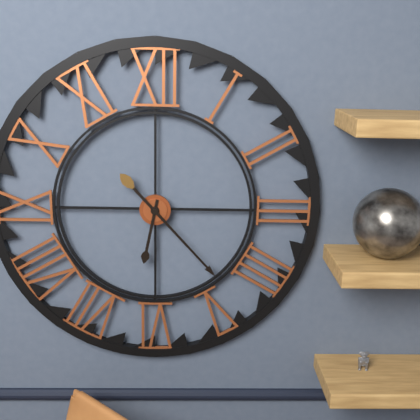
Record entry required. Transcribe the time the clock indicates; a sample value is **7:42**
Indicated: **6:23**
